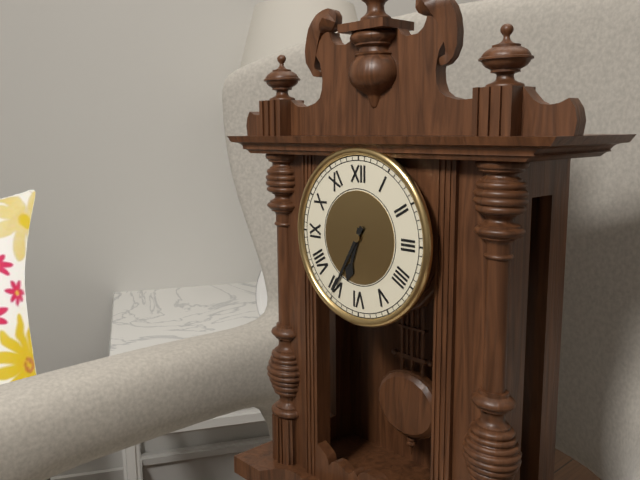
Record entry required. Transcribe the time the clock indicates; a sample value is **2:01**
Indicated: **6:35**
